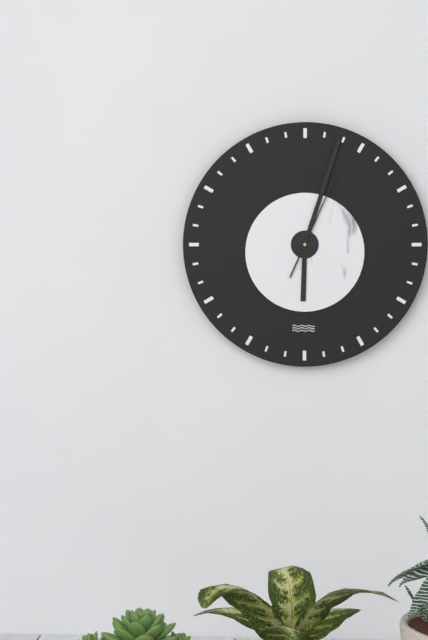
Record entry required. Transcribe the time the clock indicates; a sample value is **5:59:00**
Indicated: **6:03:04**
